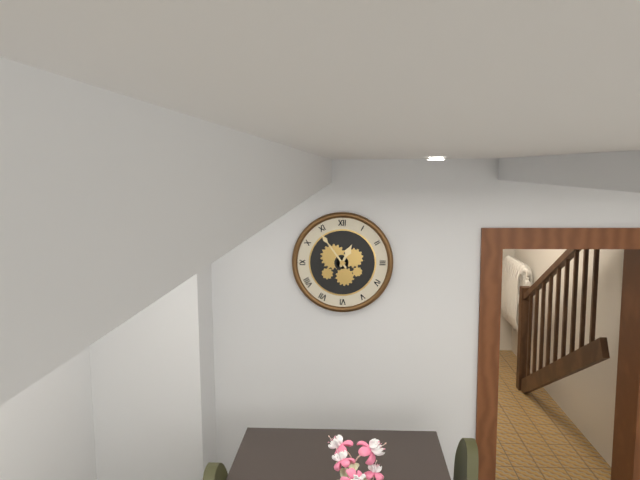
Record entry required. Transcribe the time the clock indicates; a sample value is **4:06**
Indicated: **12:54**
